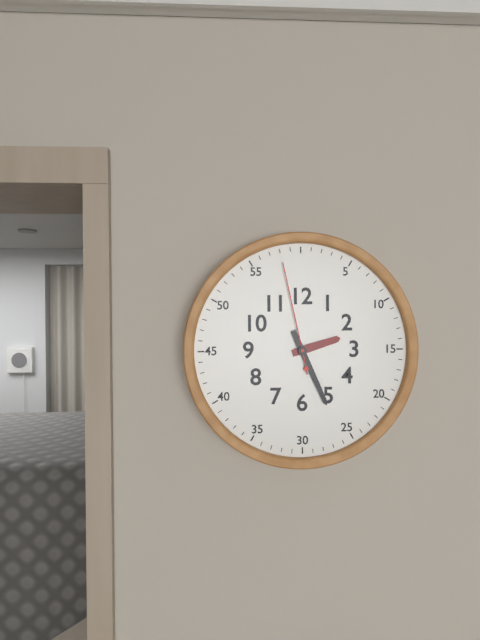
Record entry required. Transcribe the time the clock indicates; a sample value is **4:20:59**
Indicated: **2:26:58**
